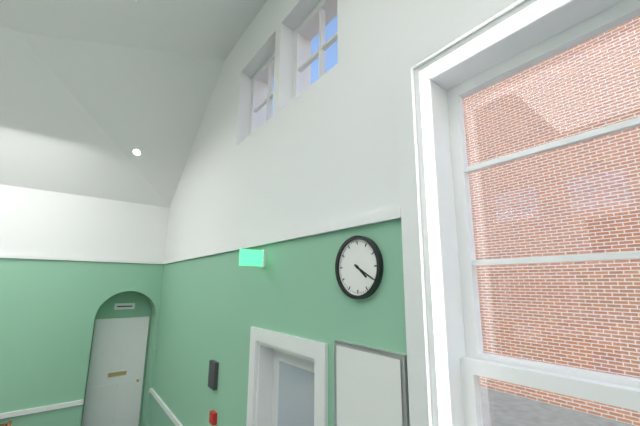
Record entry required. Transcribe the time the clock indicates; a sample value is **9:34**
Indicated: **4:20**
